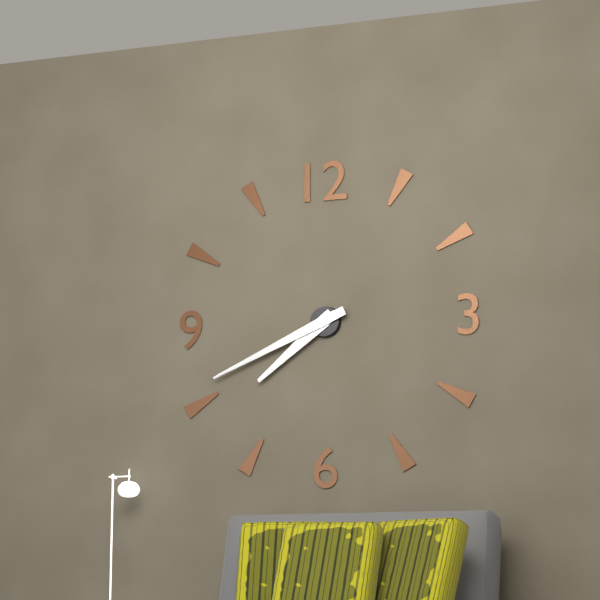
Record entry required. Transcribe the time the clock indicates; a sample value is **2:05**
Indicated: **7:41**
